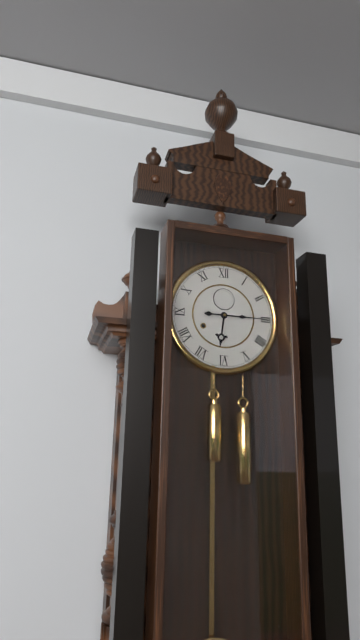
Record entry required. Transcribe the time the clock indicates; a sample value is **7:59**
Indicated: **6:15**
